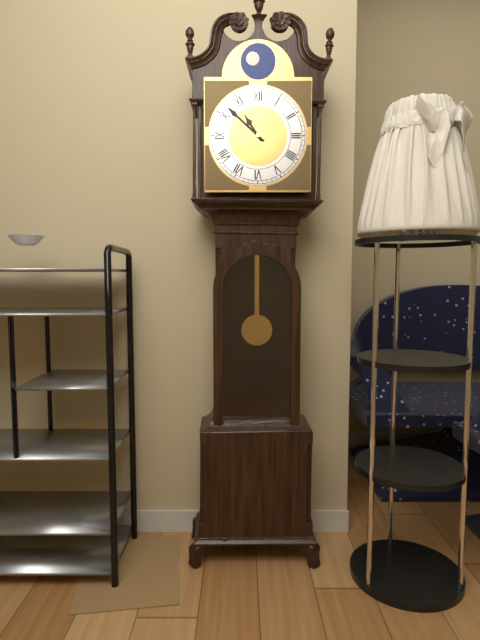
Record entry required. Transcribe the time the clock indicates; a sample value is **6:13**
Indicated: **10:52**
